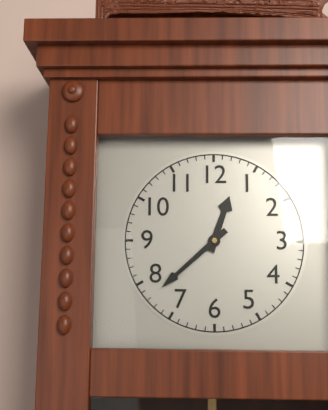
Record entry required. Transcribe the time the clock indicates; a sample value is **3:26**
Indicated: **12:38**
